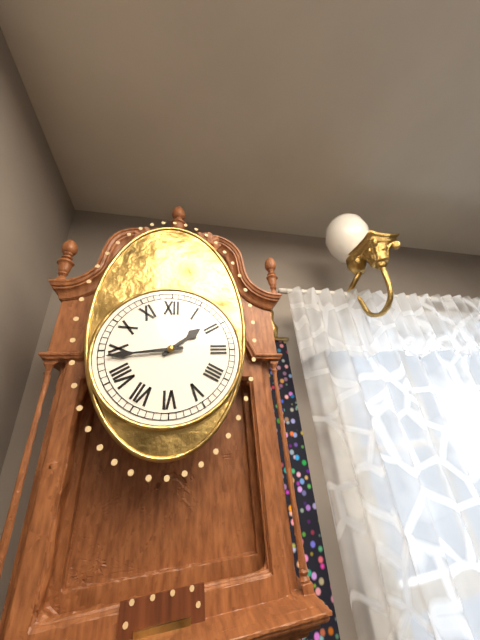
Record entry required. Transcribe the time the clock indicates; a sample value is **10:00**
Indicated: **1:44**
